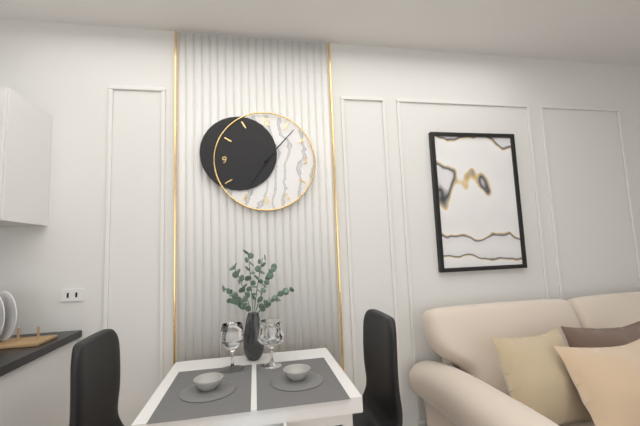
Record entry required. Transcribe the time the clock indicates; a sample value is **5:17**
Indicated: **7:07**
